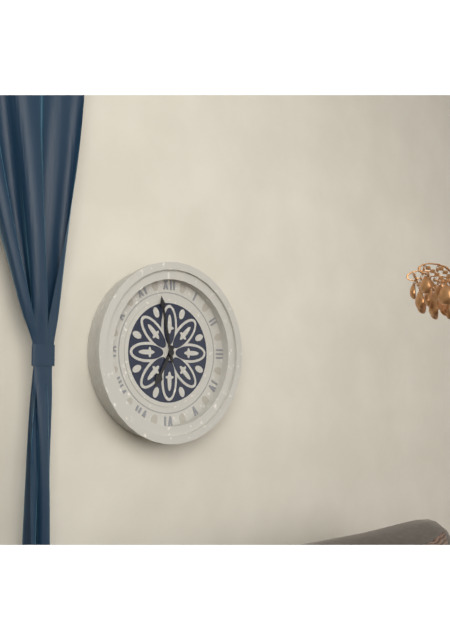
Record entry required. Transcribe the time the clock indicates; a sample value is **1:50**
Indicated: **6:58**
